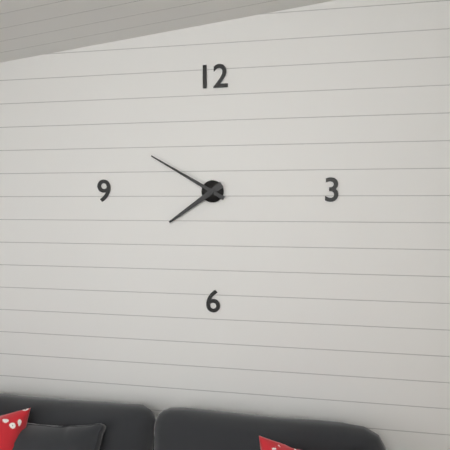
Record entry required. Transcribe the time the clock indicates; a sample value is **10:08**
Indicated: **7:50**
